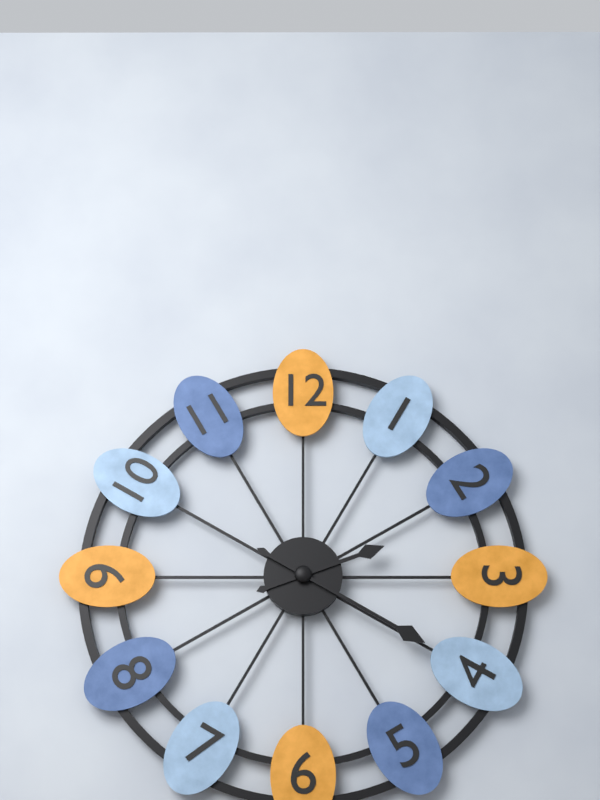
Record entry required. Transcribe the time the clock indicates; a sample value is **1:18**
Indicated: **2:20**
